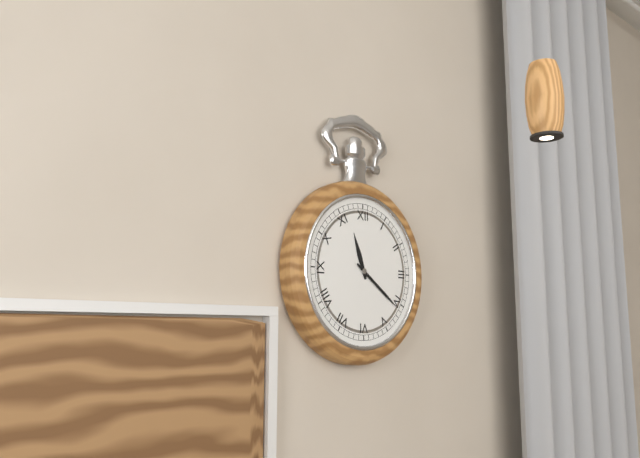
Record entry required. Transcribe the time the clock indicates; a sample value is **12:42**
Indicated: **11:21**
